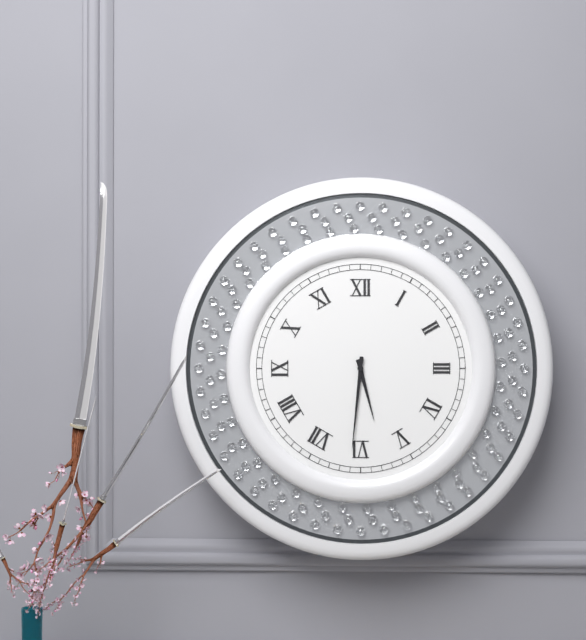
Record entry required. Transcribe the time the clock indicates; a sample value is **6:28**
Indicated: **5:31**
